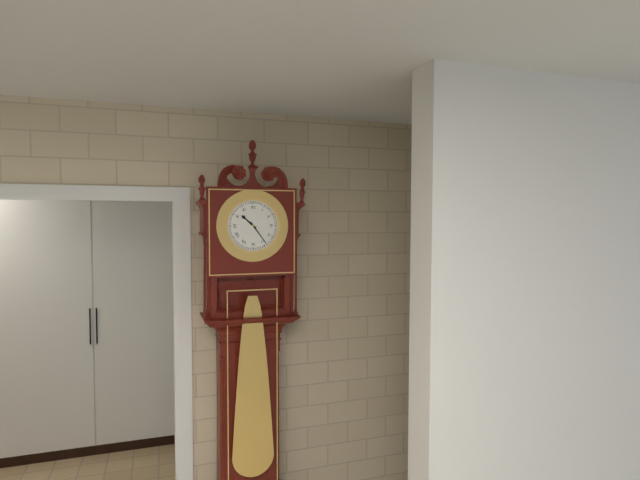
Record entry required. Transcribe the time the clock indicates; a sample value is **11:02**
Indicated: **10:24**
